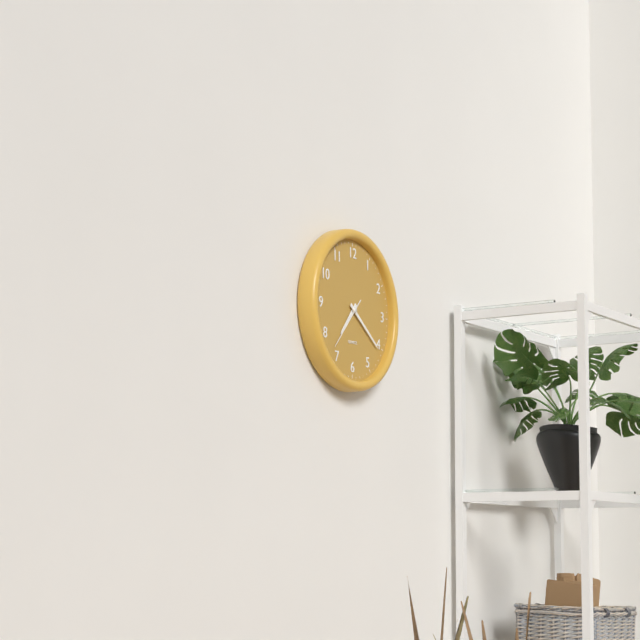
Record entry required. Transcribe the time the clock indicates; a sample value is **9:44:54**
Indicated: **7:21:37**
